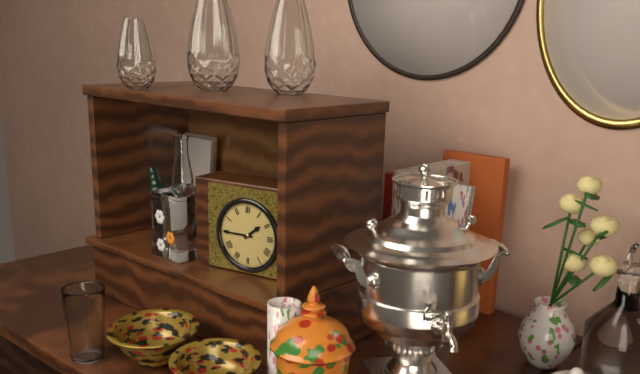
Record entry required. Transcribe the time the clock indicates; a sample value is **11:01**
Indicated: **1:45**
